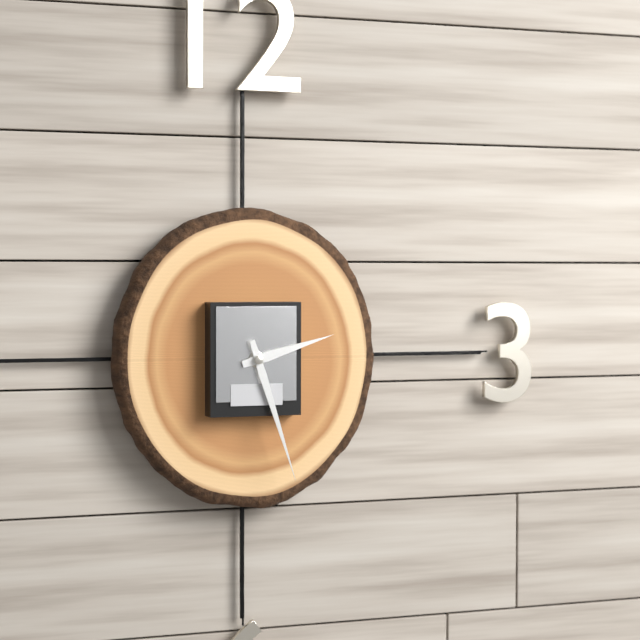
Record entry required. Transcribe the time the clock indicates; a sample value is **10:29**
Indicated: **2:27**
